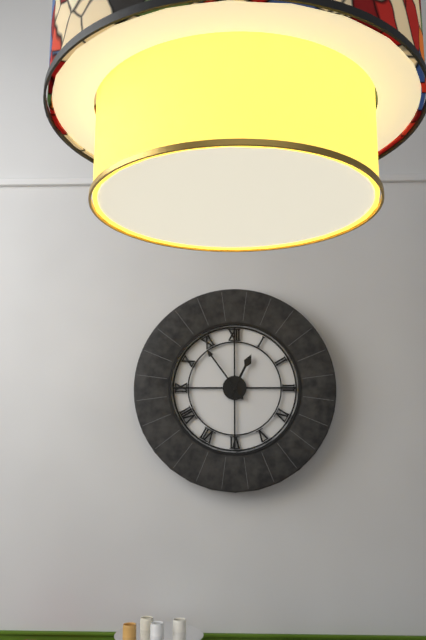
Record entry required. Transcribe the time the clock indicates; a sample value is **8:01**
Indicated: **12:54**
